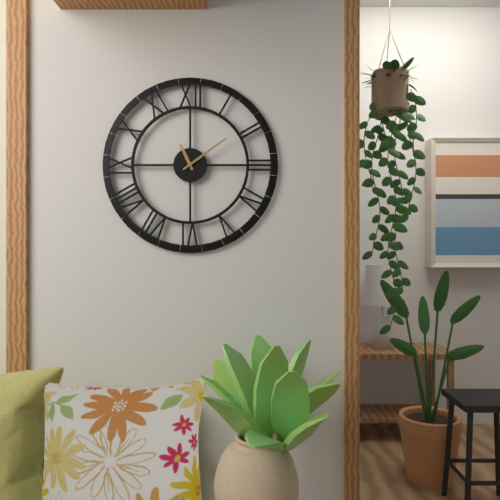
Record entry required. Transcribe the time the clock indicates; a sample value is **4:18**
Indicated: **11:09**
